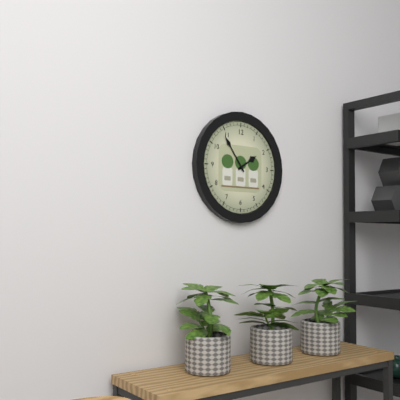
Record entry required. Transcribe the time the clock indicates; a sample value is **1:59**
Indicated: **1:54**
